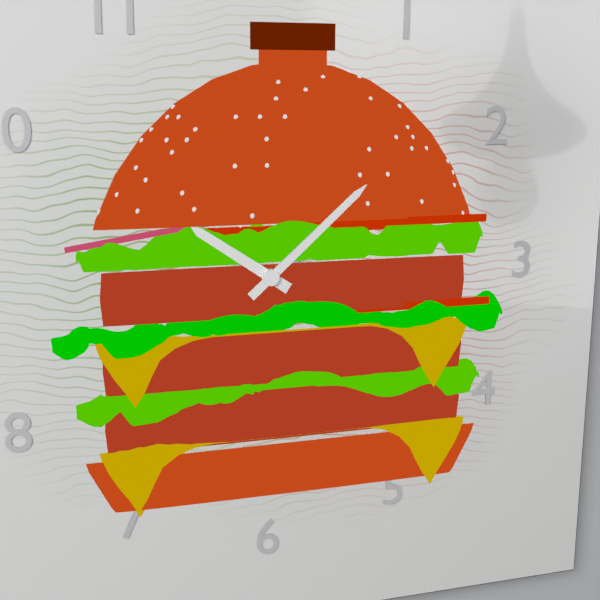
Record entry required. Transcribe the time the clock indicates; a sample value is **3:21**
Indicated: **10:08**
